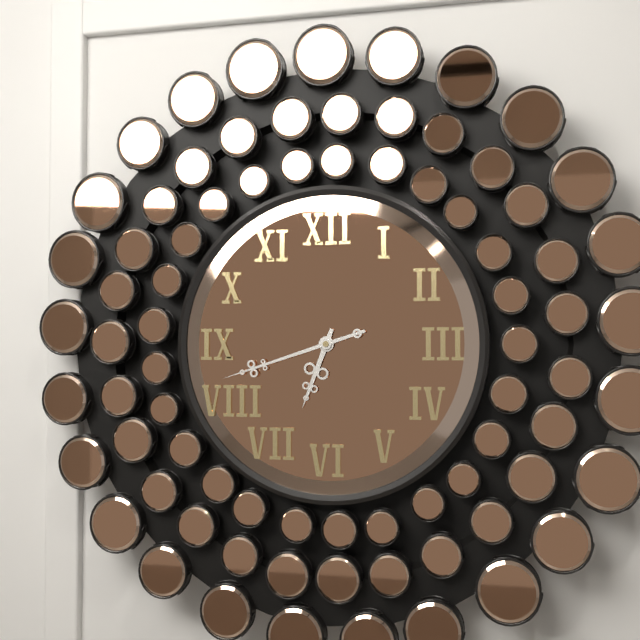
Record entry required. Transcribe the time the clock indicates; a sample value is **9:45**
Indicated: **6:42**
